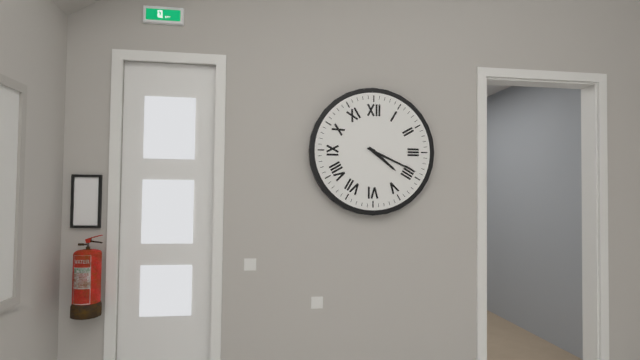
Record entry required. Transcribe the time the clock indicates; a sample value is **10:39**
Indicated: **4:19**
